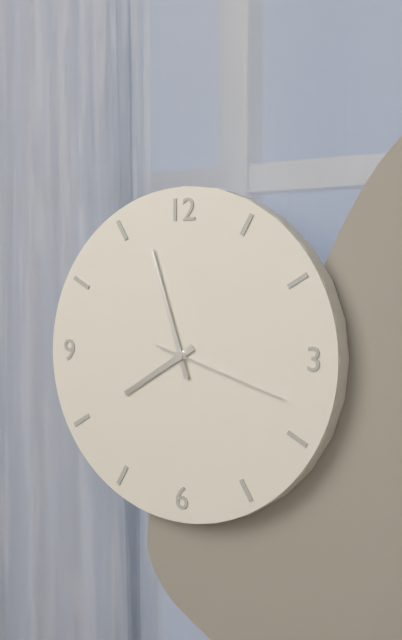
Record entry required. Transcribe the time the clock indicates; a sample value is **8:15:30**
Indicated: **7:57:18**
